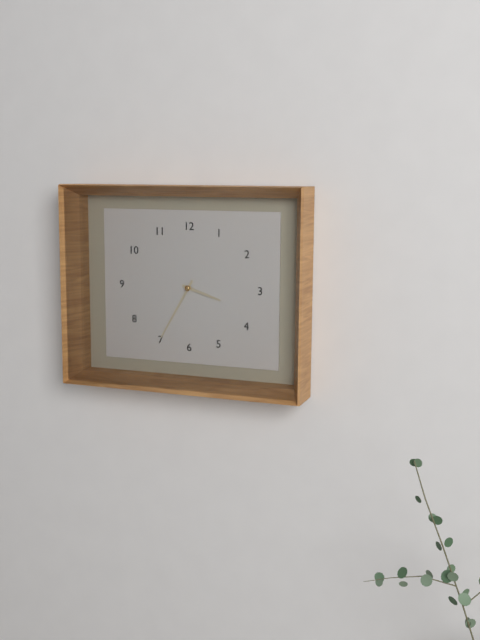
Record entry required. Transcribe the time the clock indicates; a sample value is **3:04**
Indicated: **3:35**
